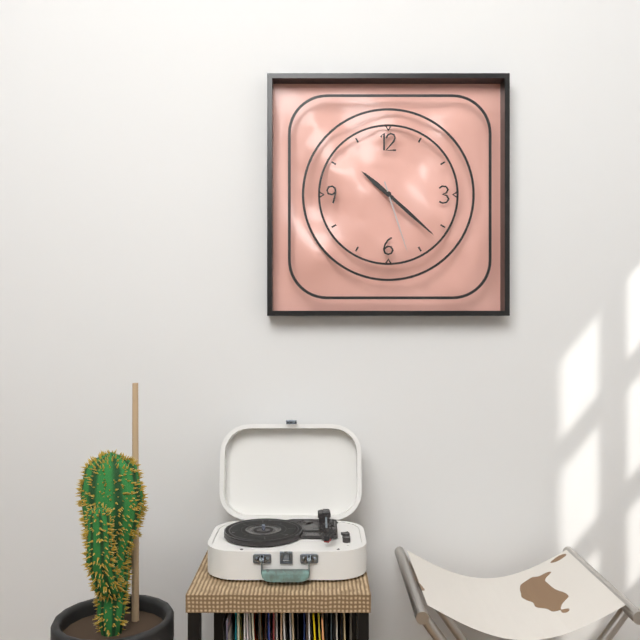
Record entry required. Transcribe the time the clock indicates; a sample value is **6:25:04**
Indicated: **10:22:27**
